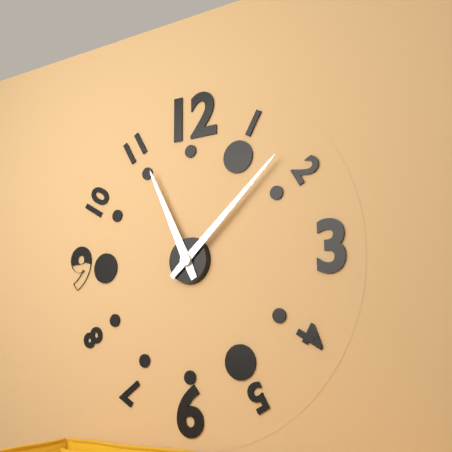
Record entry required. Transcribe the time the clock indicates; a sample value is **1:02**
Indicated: **11:08**
